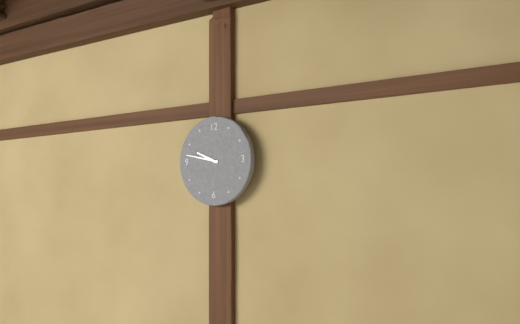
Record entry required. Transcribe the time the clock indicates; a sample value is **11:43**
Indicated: **9:47**
